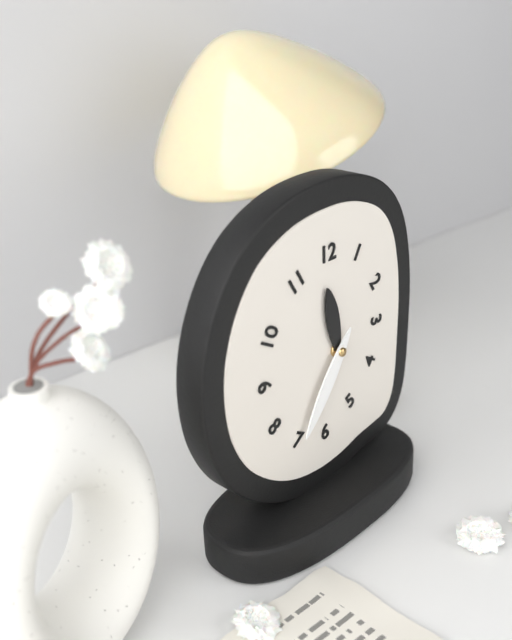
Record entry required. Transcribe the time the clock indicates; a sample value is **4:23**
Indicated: **11:36**
